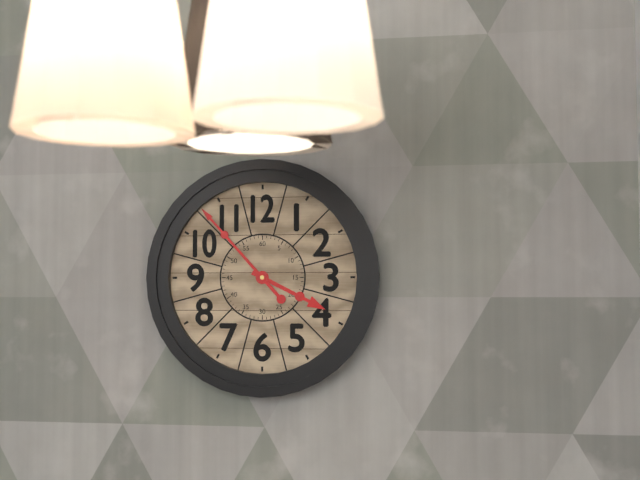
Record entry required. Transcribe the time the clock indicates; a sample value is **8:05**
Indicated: **3:53**
